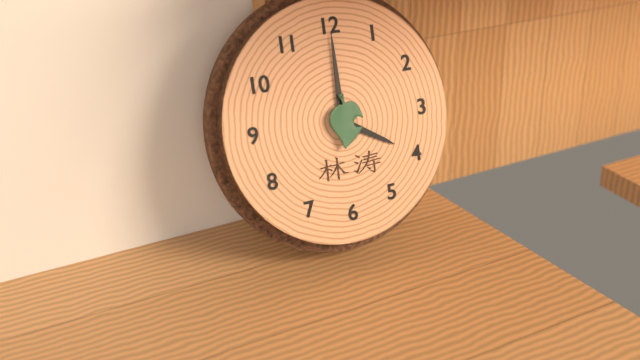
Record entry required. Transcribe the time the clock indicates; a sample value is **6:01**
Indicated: **4:00**
